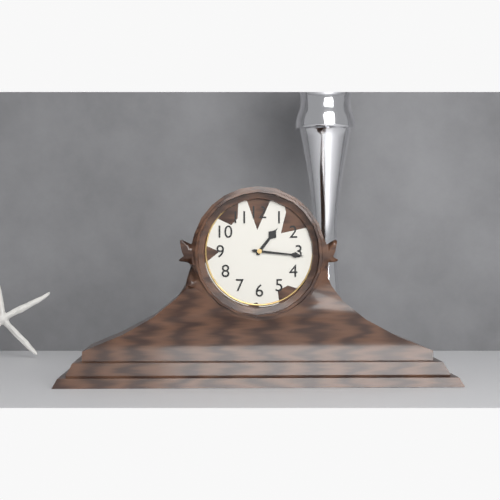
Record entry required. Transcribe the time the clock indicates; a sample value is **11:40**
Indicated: **1:16**
